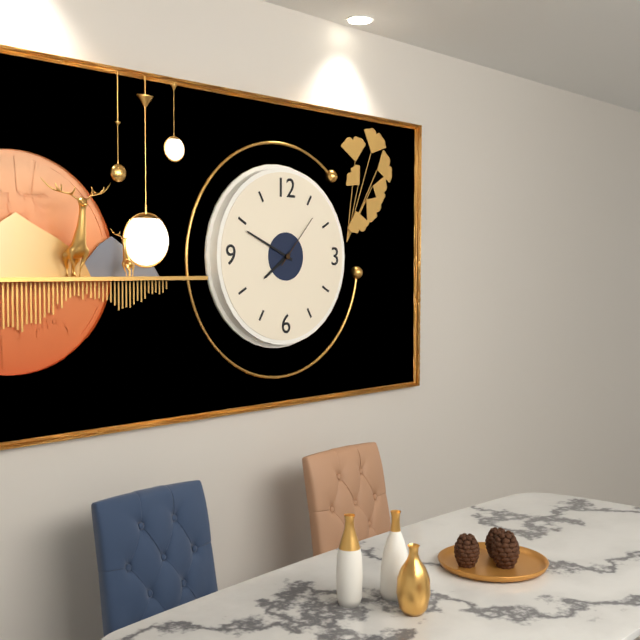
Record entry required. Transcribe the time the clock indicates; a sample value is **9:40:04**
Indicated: **7:49:07**
